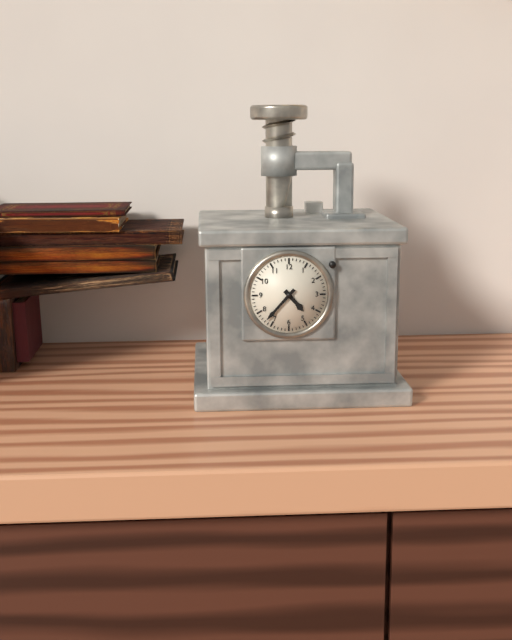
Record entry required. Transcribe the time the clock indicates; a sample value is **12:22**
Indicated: **4:37**
